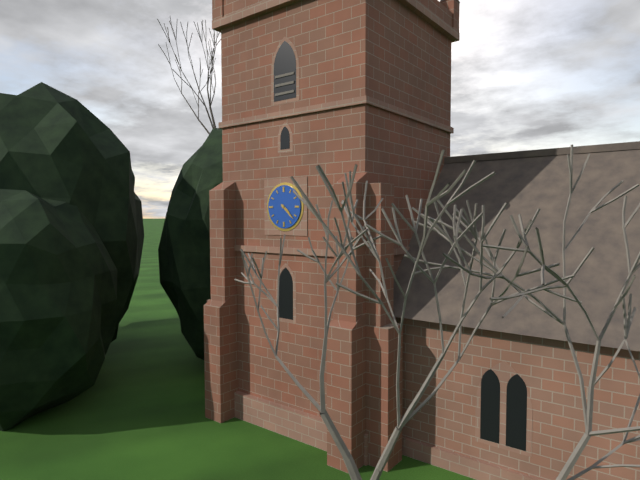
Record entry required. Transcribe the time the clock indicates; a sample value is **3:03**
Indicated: **4:22**
